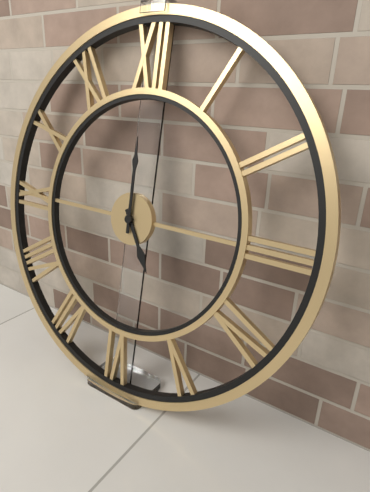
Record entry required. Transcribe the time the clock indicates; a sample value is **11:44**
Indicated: **5:00**
